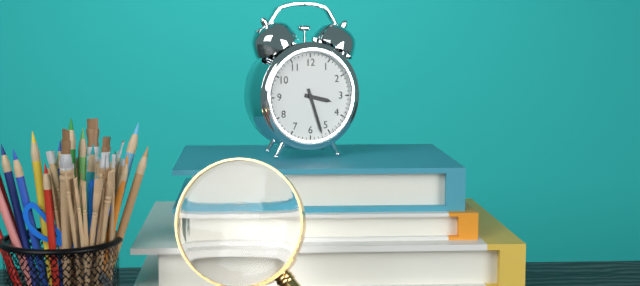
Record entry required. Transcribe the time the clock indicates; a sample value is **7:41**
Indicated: **3:27**
